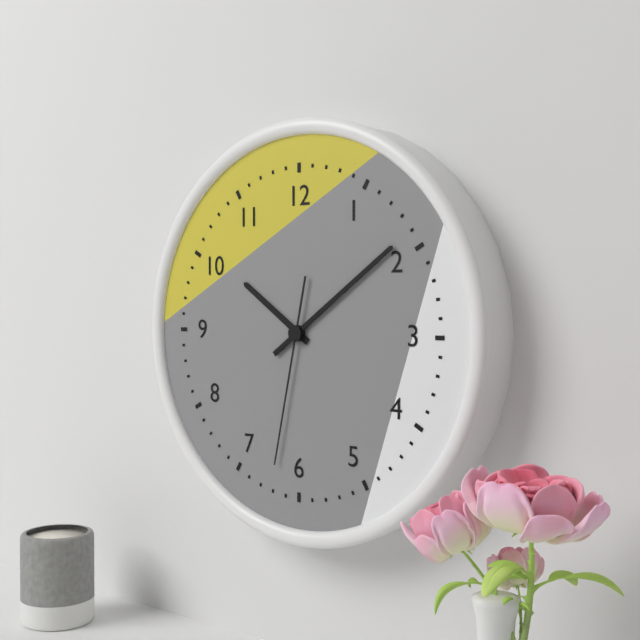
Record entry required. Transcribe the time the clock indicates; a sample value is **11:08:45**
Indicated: **10:09:32**
